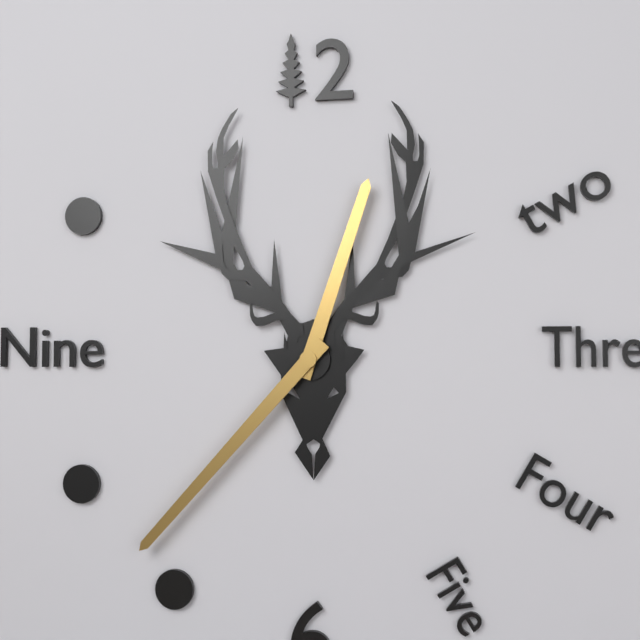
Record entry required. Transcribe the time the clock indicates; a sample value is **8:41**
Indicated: **12:37**
